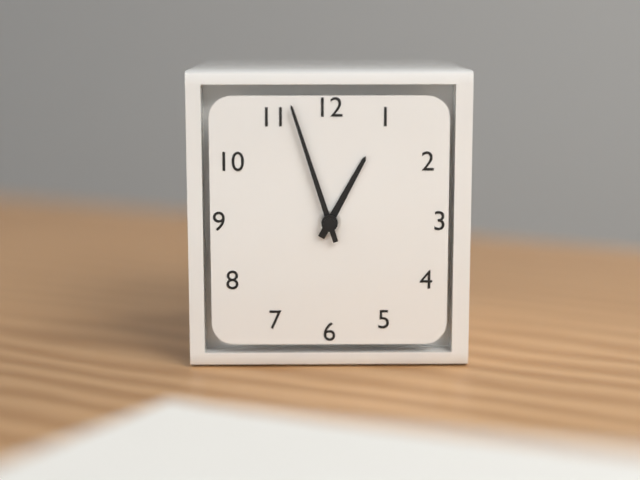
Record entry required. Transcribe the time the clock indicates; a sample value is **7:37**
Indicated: **12:57**
